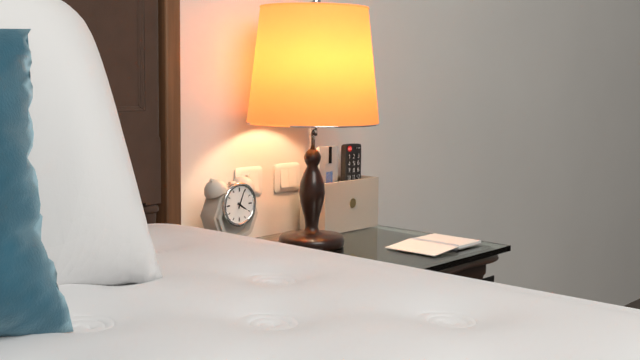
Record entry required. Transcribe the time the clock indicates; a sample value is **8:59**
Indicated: **4:04**
